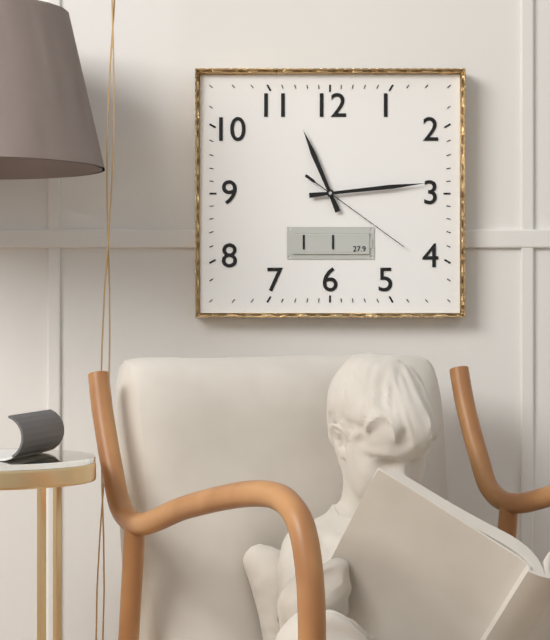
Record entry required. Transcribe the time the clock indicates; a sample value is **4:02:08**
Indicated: **11:14:21**
